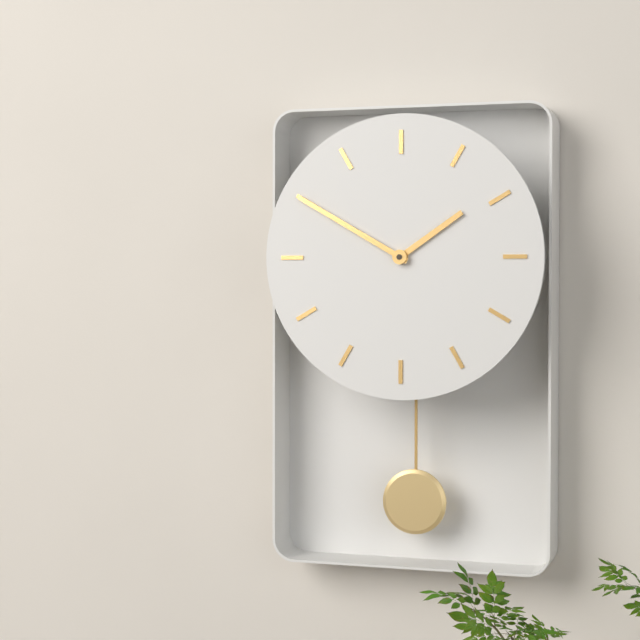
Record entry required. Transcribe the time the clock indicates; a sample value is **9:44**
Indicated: **1:50**
